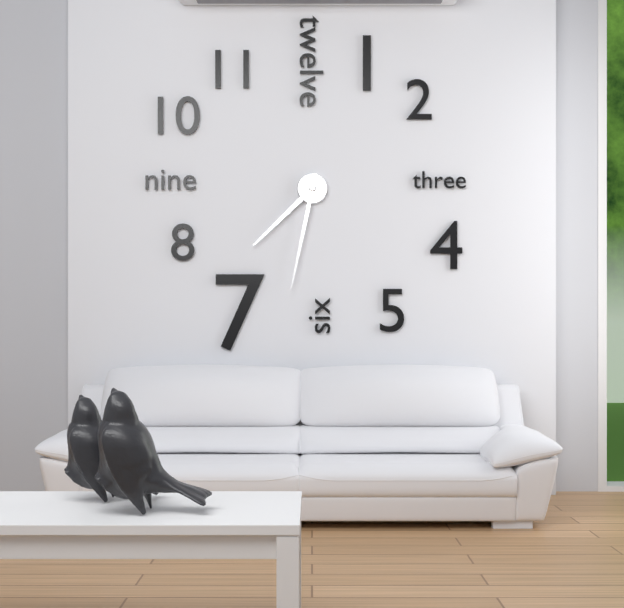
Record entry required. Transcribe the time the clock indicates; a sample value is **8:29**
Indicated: **7:32**
